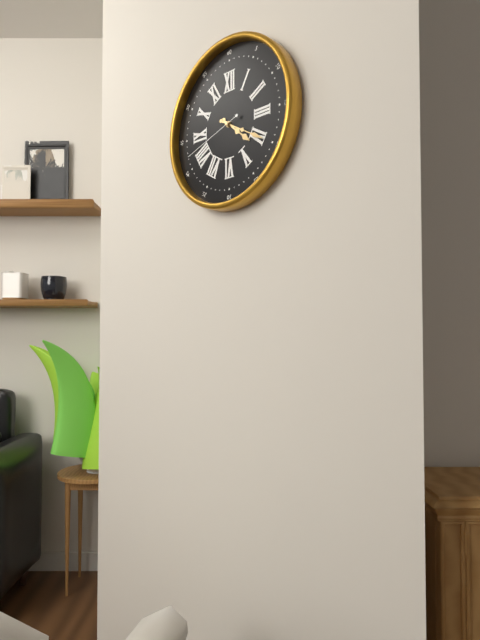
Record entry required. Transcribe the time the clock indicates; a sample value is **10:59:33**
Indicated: **4:20:42**
